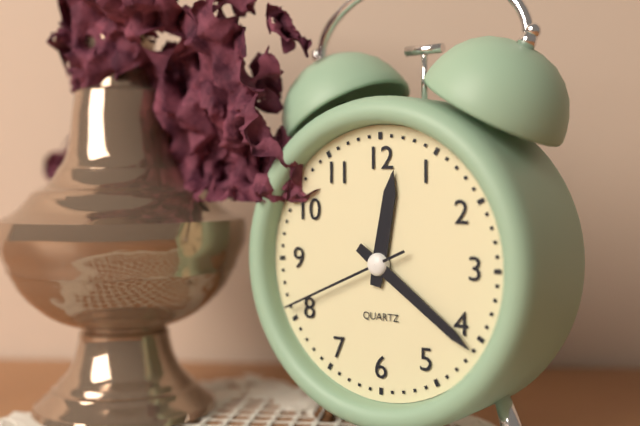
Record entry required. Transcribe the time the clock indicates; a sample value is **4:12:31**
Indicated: **12:21:41**
